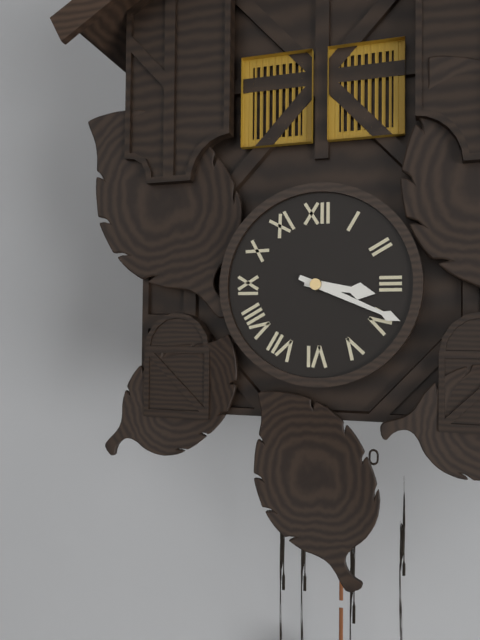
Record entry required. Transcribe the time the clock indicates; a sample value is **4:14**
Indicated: **3:19**
